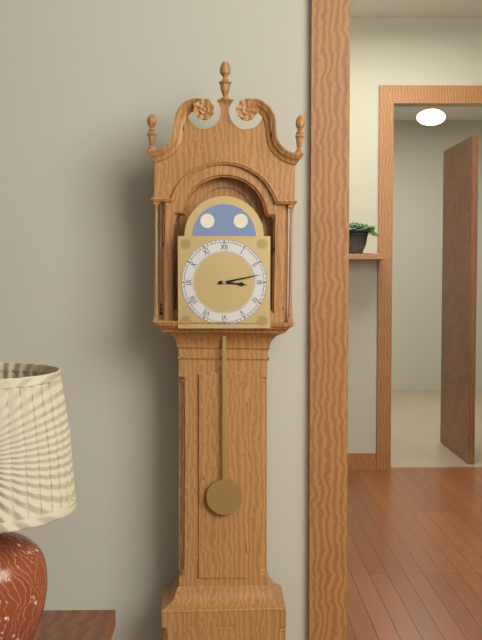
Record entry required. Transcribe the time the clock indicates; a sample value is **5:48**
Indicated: **3:13**
